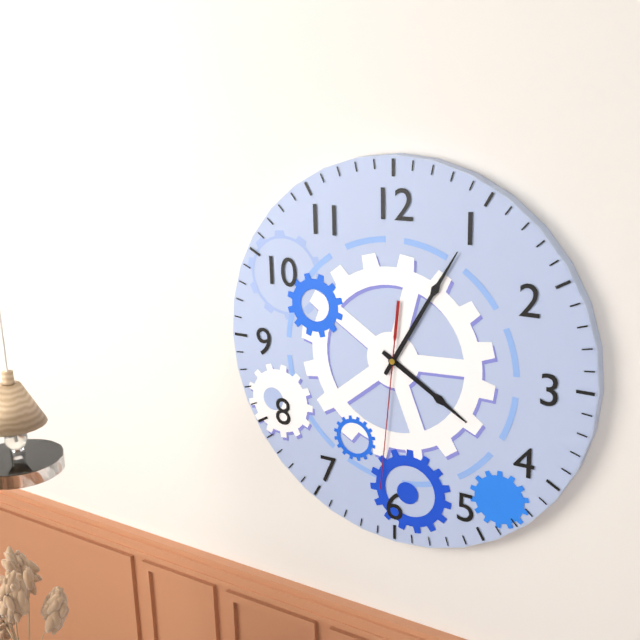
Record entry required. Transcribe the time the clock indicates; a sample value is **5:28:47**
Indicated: **4:05:31**
